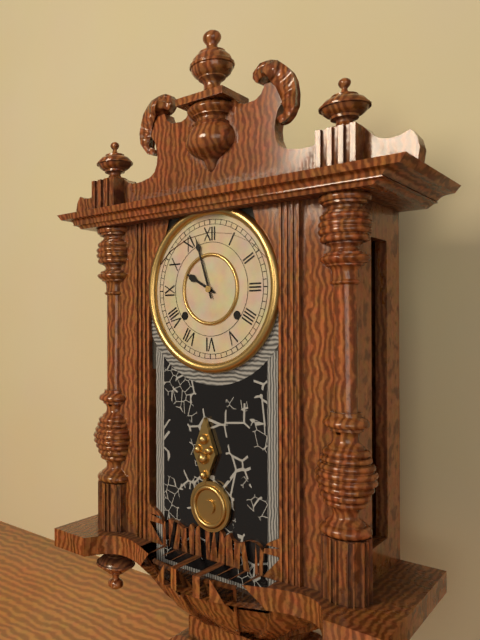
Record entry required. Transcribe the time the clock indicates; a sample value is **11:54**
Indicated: **9:57**
